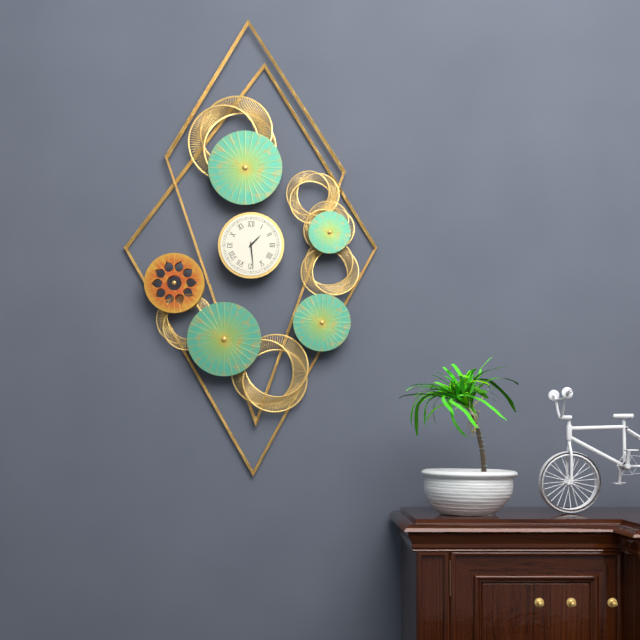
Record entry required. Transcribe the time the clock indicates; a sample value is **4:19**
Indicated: **1:29**
